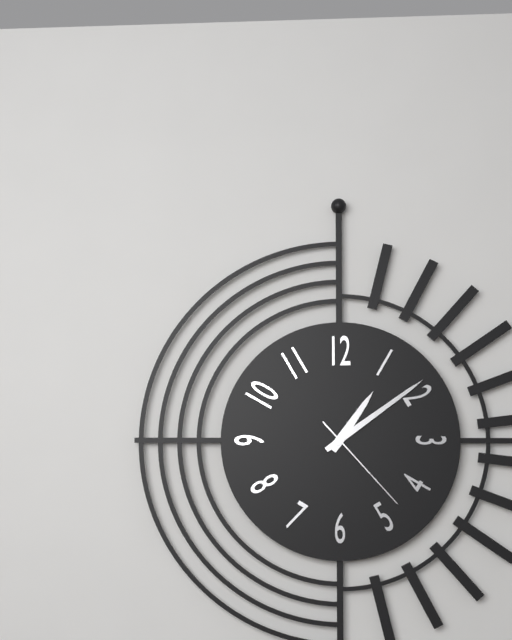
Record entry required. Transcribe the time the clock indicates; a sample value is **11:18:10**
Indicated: **1:09:23**
